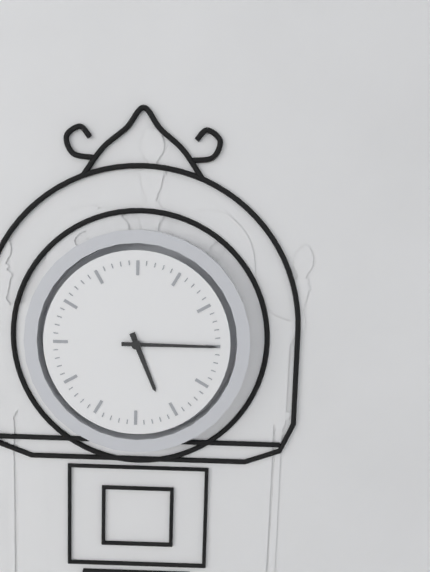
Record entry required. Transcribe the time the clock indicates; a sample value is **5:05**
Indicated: **5:15**
